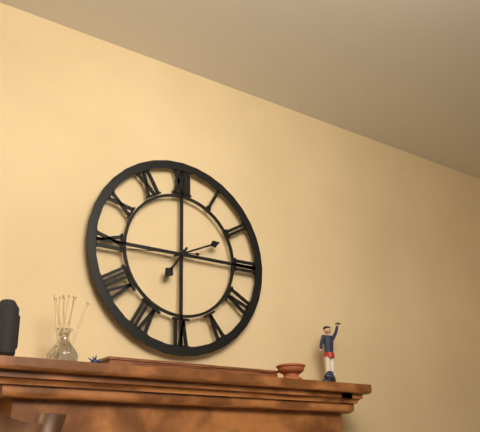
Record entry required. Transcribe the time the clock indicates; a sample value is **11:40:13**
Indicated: **7:11:44**
